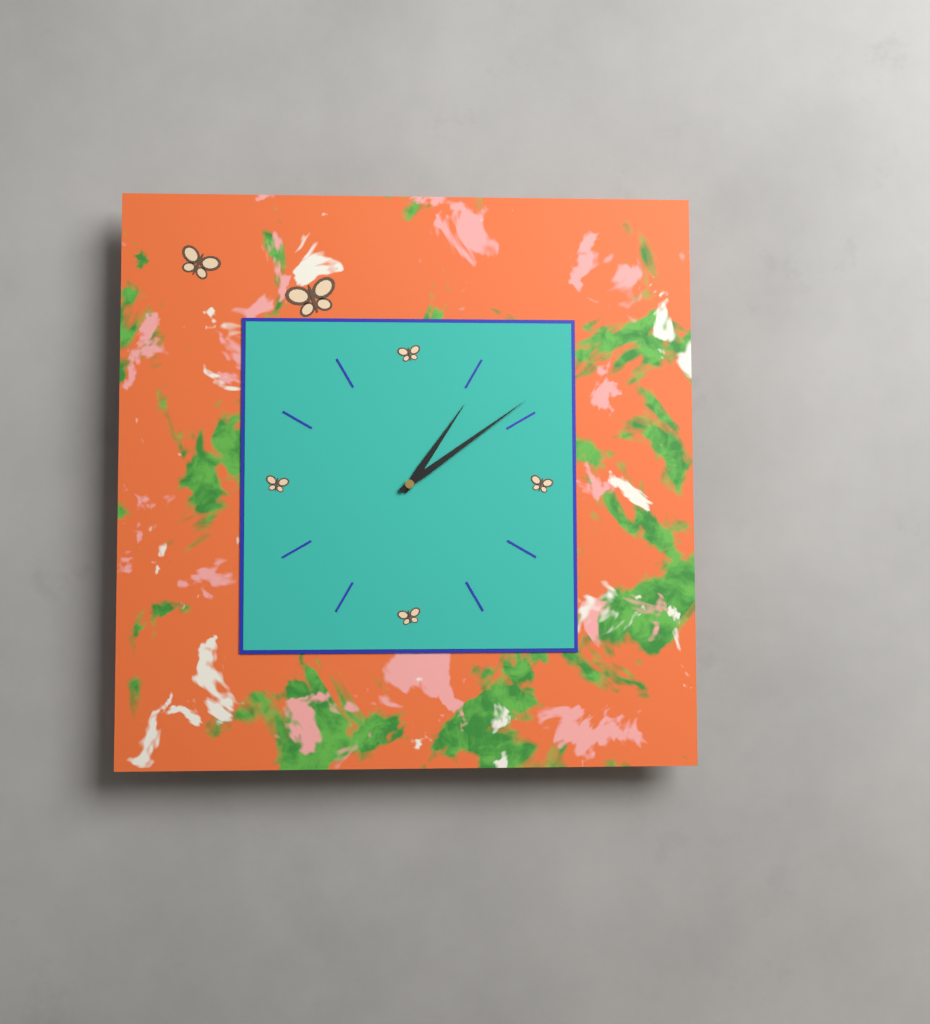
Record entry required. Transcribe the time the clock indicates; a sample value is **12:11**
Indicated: **1:09**
